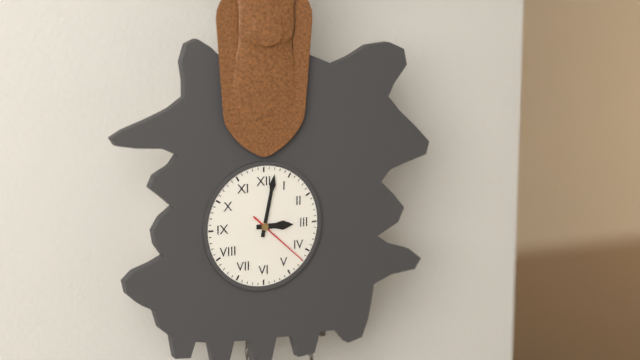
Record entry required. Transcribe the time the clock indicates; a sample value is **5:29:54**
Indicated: **3:02:22**
